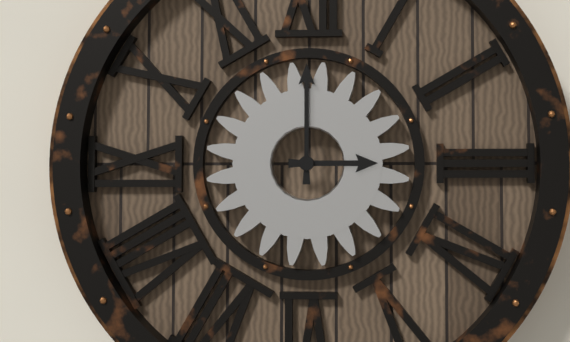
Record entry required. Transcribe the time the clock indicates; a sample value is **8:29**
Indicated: **3:00**
